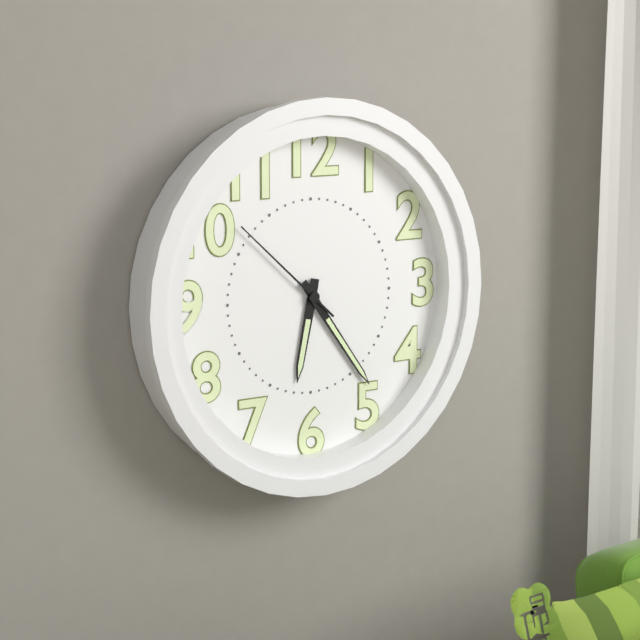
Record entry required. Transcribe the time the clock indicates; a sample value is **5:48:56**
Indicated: **6:24:52**
